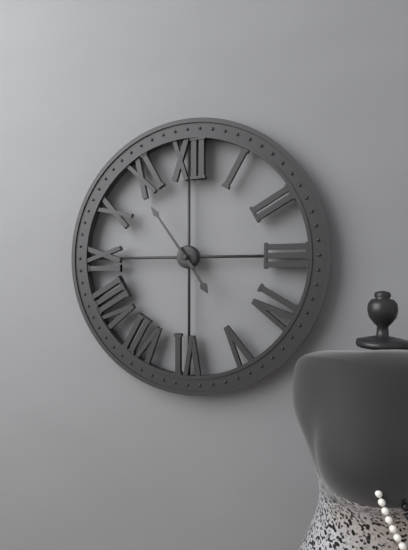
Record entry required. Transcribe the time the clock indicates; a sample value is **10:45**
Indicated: **4:54**
